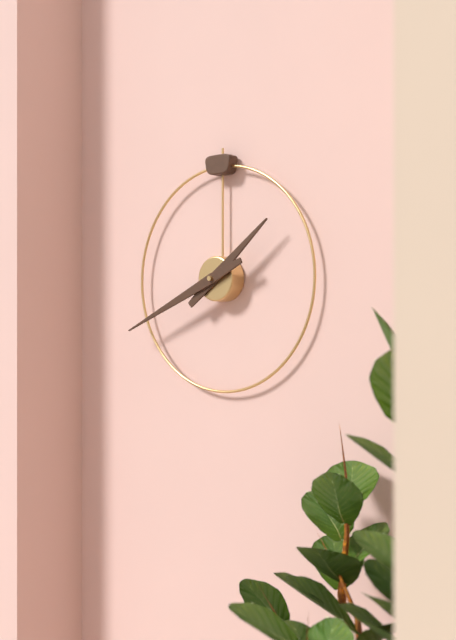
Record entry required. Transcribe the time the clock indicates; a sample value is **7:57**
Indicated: **1:41**
